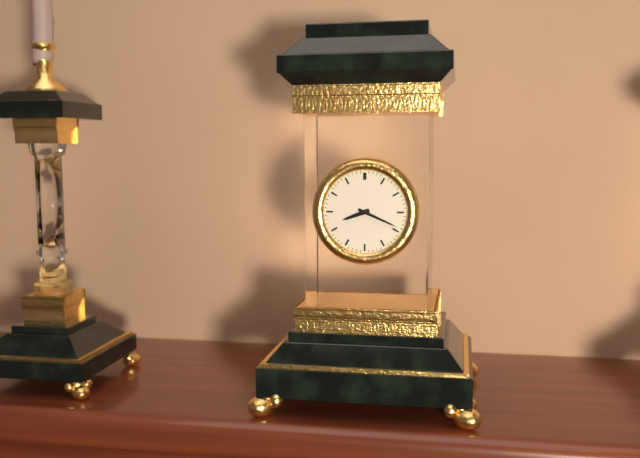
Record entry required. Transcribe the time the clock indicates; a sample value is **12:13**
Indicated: **8:19**
